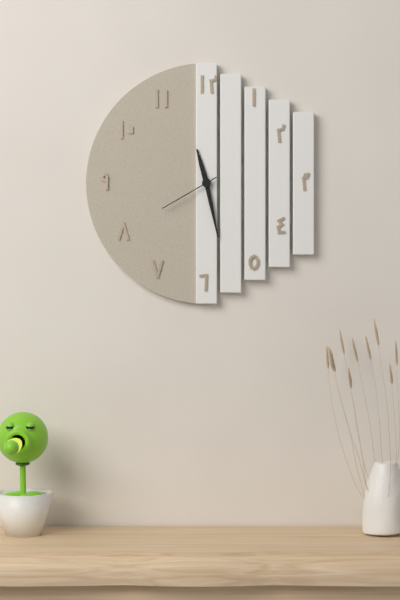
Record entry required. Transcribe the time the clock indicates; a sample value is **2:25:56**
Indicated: **11:28:40**
